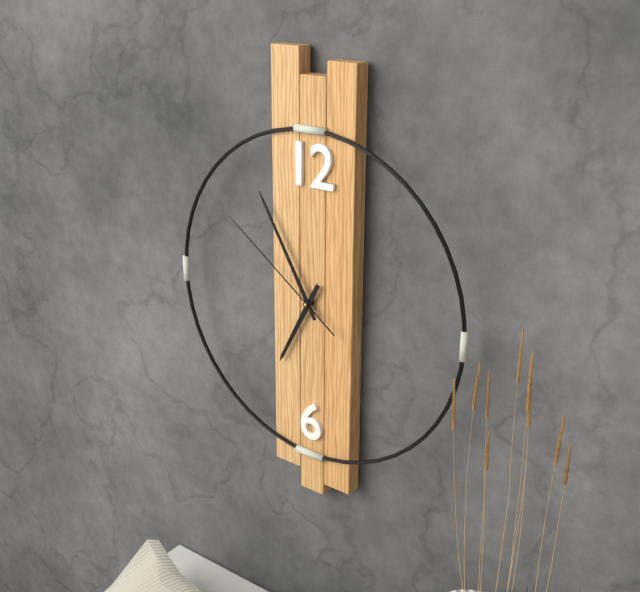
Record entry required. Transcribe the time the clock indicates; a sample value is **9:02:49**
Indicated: **6:55:51**
